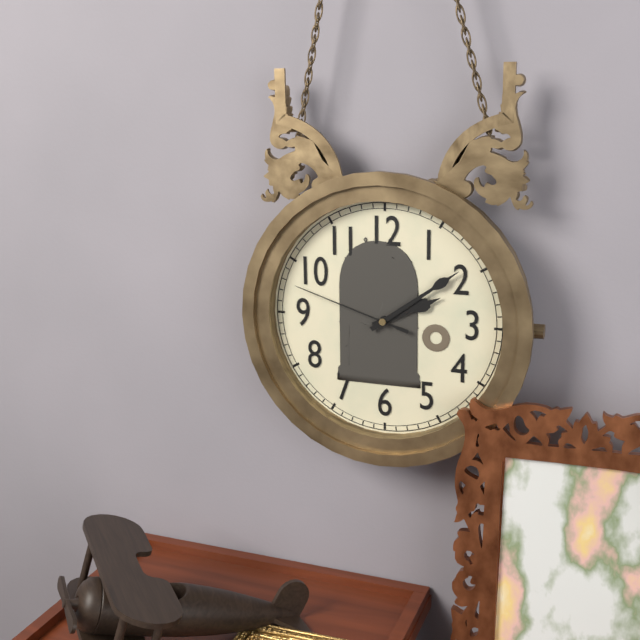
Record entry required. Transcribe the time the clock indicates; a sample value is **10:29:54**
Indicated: **2:09:48**
